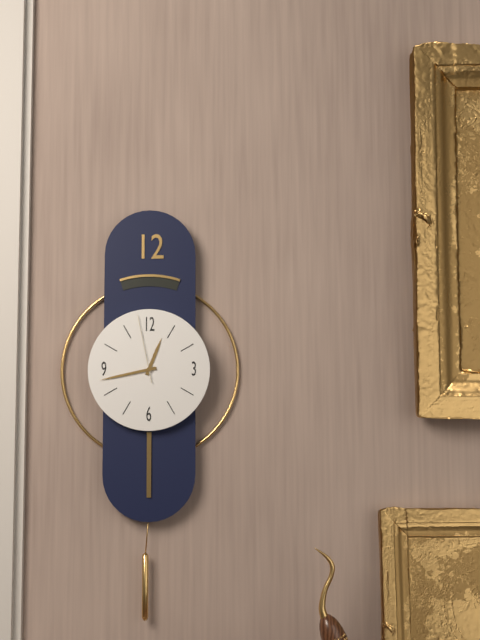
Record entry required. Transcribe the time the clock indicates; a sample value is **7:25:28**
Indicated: **12:43:58**
